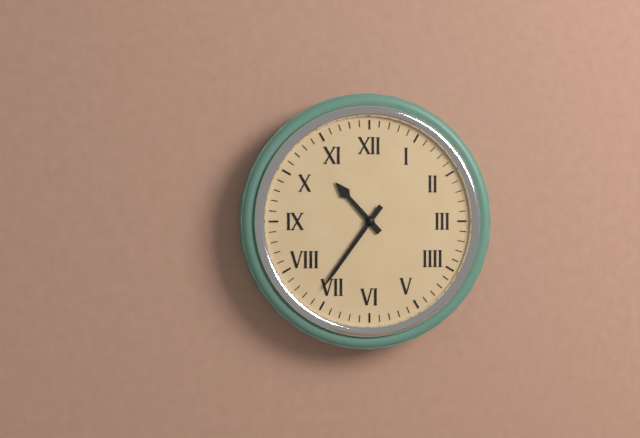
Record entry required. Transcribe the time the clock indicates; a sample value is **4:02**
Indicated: **10:36**
